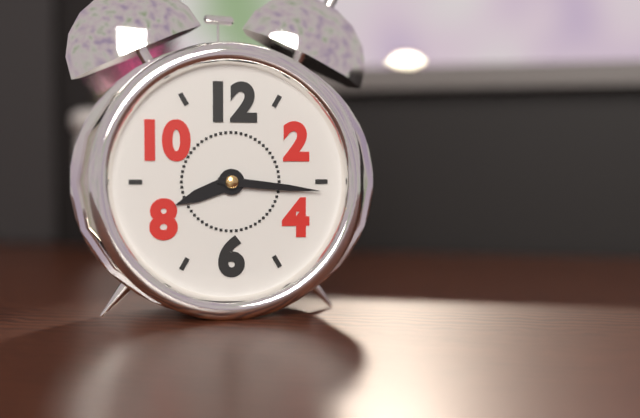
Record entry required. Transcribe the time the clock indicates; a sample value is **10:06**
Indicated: **8:16**
